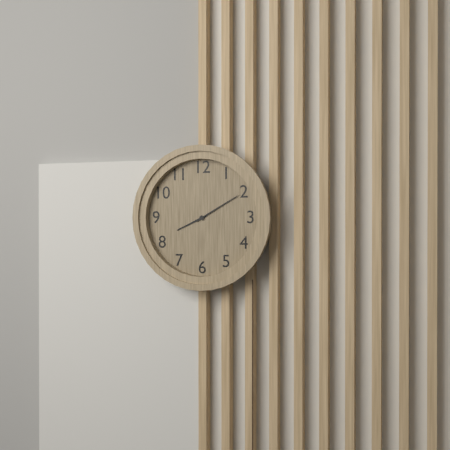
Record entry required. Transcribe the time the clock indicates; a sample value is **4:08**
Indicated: **8:10**
